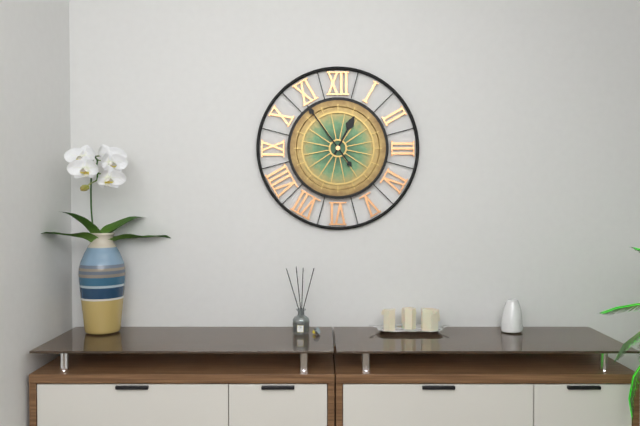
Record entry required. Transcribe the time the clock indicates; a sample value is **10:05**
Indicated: **12:54**
